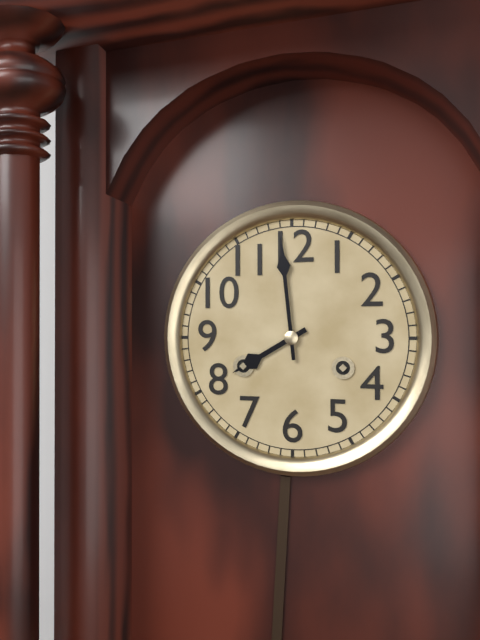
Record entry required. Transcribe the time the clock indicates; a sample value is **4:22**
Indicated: **7:59**
